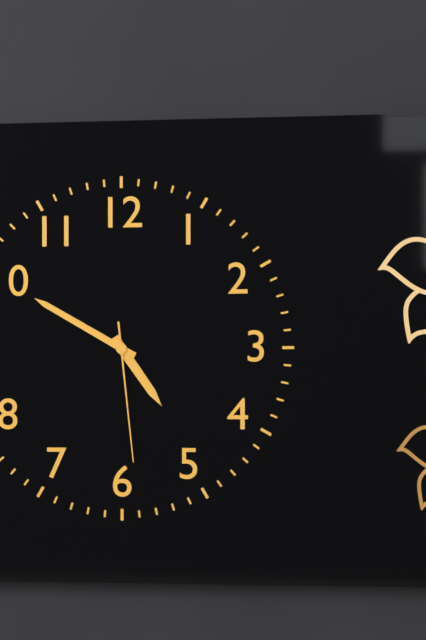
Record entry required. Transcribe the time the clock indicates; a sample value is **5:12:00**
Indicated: **4:50:29**
